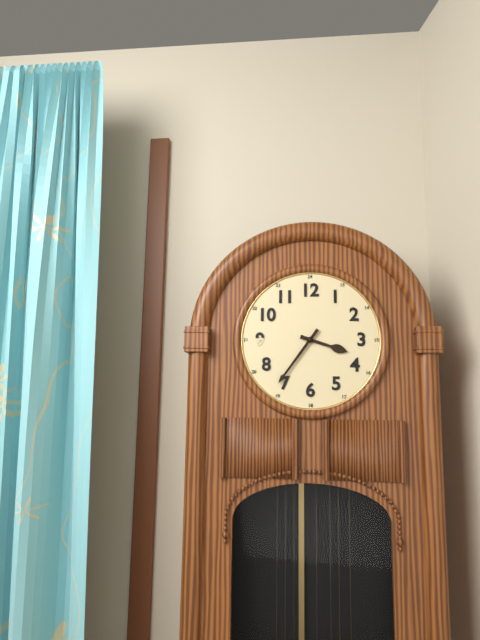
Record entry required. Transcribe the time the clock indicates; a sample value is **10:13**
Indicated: **3:36**
